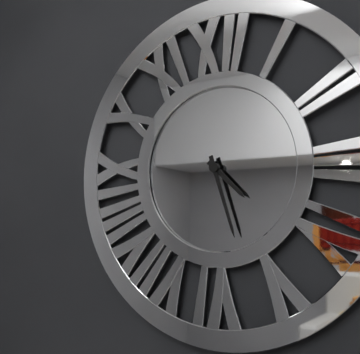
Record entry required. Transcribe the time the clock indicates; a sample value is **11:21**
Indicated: **4:27**
